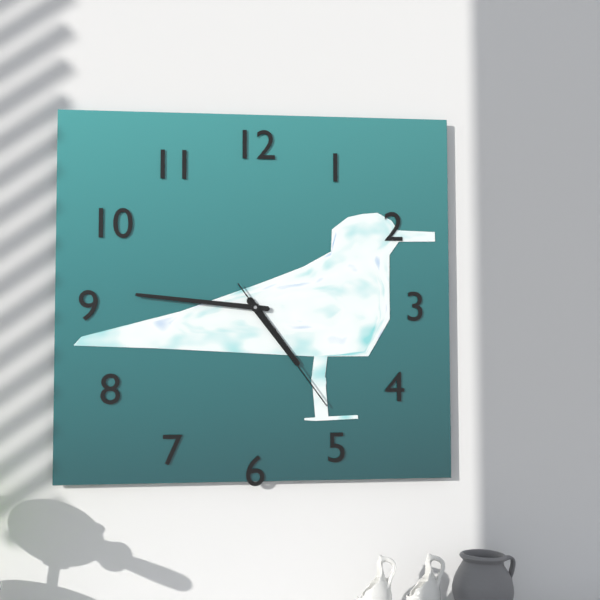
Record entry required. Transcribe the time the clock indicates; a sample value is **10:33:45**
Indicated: **4:46:24**
